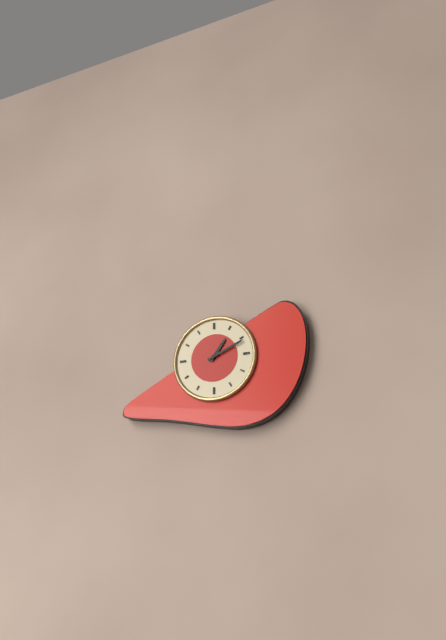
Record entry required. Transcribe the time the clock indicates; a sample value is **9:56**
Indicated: **1:11**
